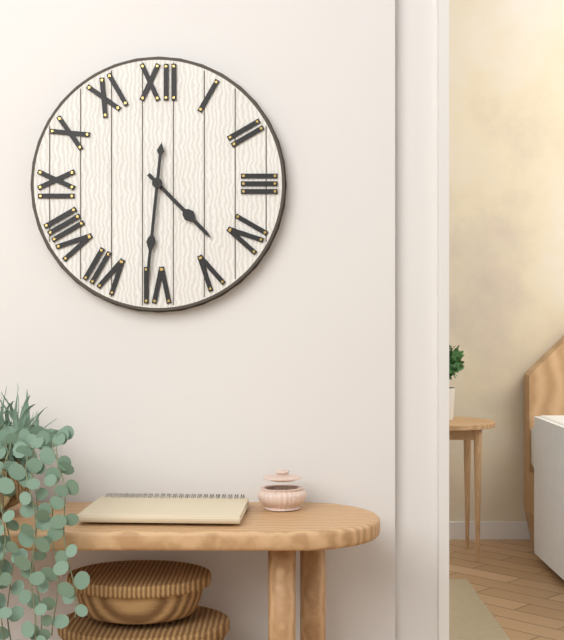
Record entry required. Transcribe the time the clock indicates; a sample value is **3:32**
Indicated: **4:31**
